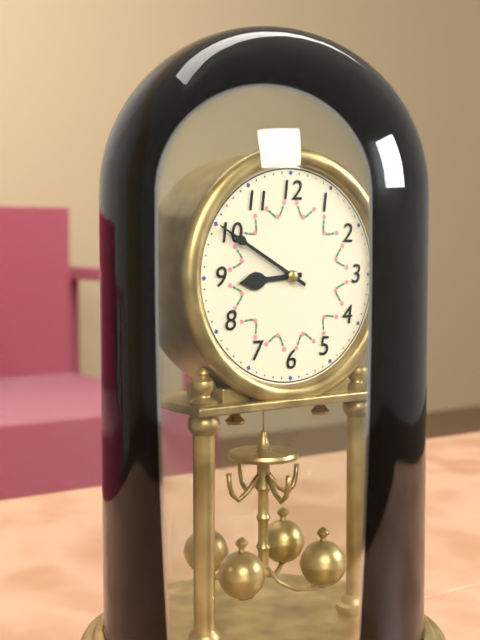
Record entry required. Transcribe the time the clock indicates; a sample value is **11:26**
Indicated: **8:50**
